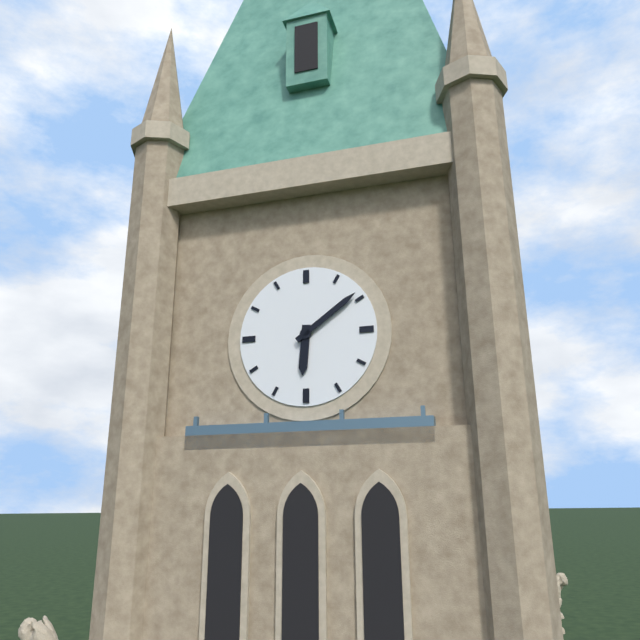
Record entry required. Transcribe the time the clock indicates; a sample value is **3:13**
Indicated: **6:09**
